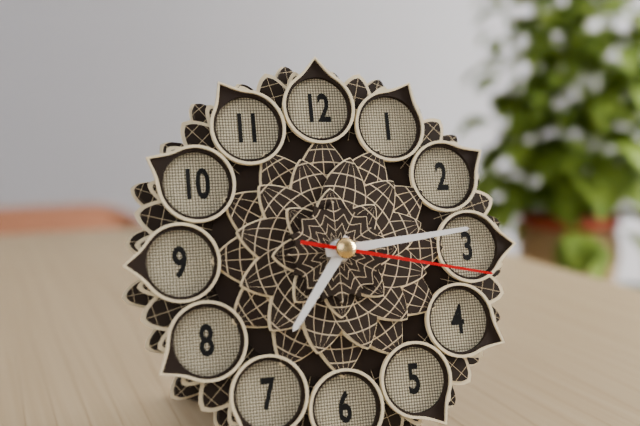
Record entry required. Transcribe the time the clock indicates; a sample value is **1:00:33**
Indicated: **7:14:17**
